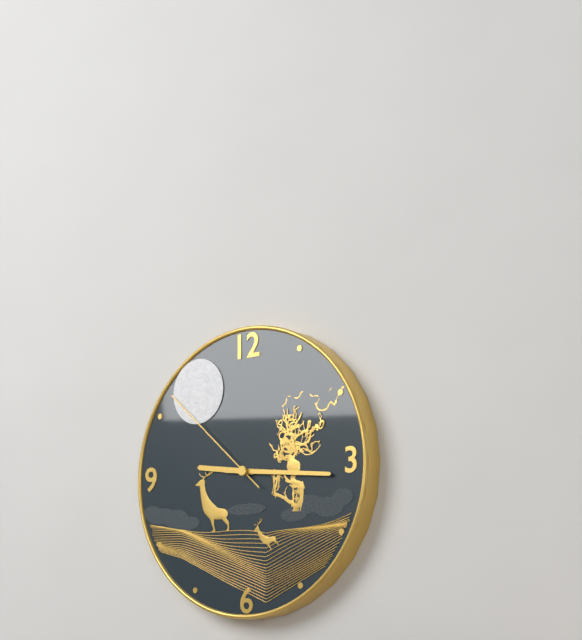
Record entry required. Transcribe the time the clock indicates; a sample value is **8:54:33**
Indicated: **9:16:52**
